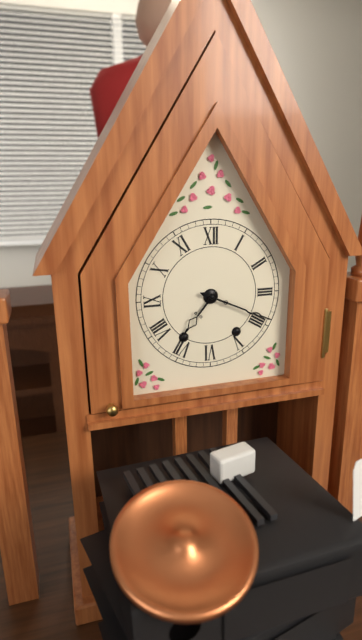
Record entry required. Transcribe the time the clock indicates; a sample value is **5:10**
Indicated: **7:19**
